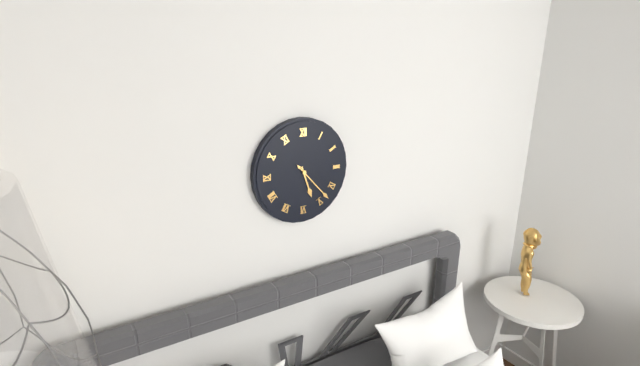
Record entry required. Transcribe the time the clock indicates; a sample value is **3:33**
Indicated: **5:23**
